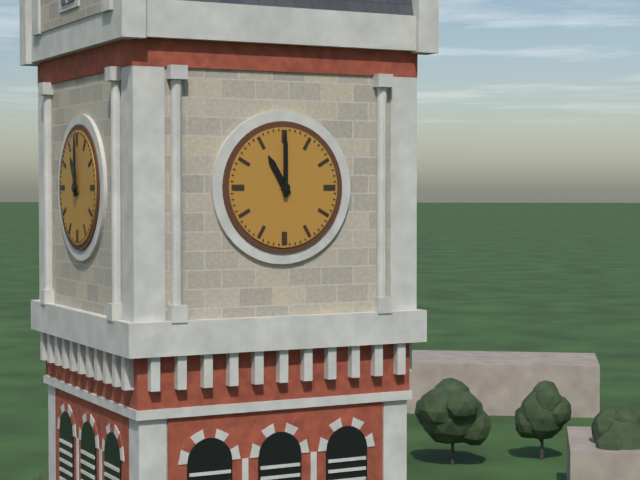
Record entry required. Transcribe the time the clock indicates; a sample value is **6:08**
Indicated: **11:00**
